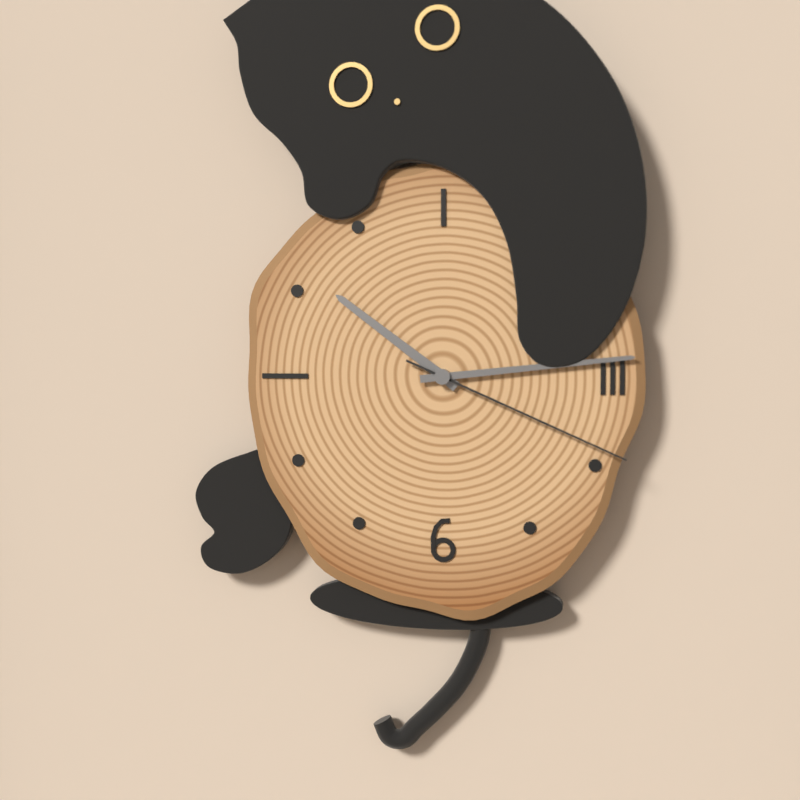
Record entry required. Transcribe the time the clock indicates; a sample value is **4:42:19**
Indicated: **10:14:19**
